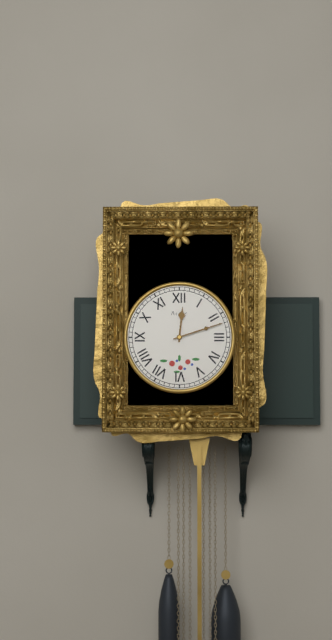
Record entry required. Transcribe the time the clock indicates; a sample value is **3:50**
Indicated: **12:12**
